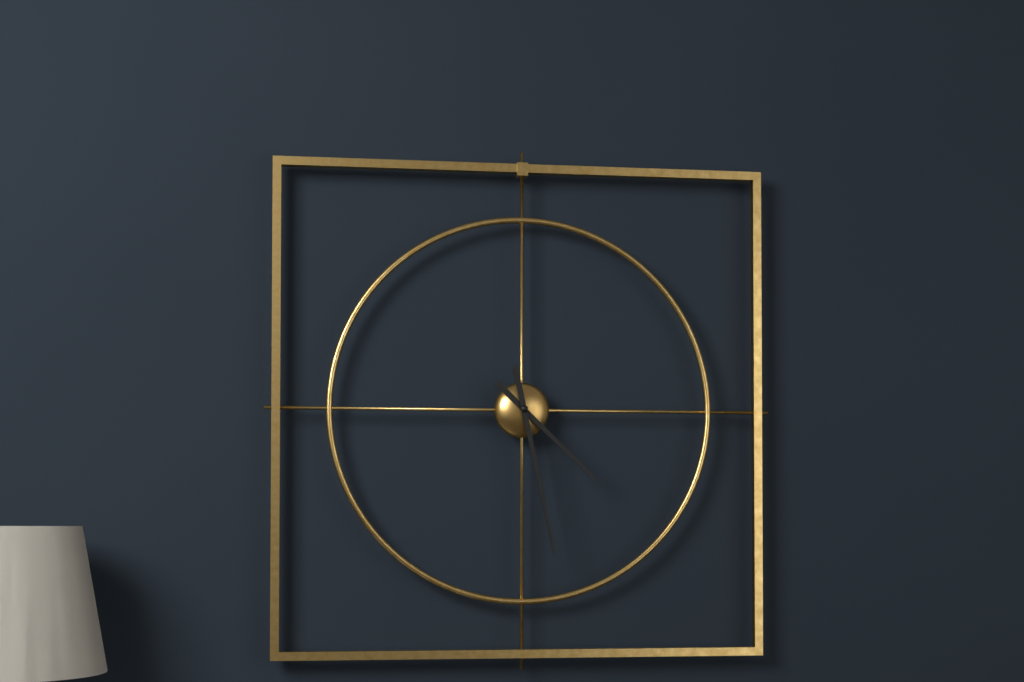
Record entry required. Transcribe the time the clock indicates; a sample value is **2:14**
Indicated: **4:28**
